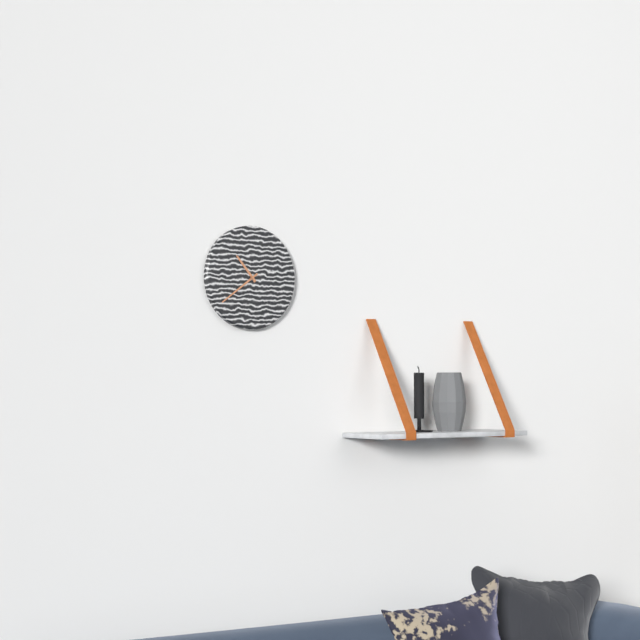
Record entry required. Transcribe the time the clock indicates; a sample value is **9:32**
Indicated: **10:39**
